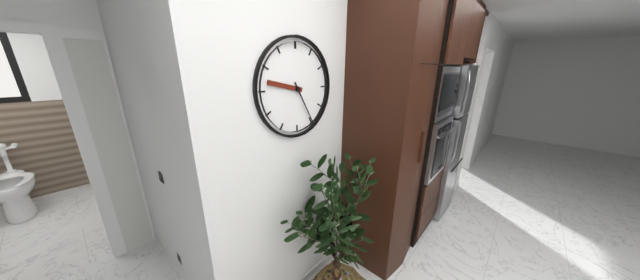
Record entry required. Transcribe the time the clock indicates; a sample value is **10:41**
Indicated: **9:25**
